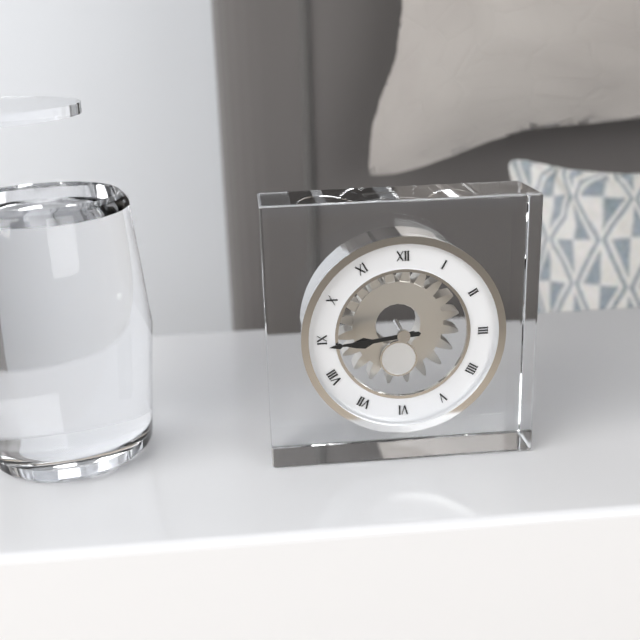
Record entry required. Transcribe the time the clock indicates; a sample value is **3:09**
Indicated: **8:44**
